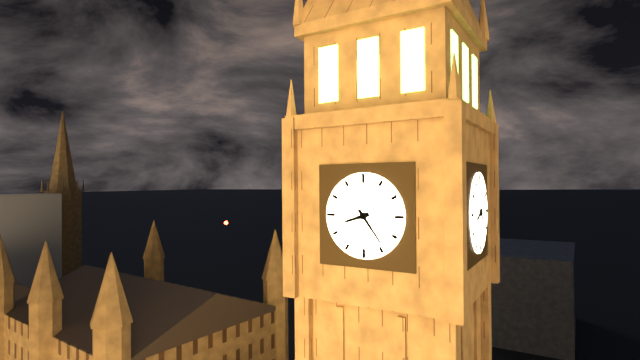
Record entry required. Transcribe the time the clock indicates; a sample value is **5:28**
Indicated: **8:24**
